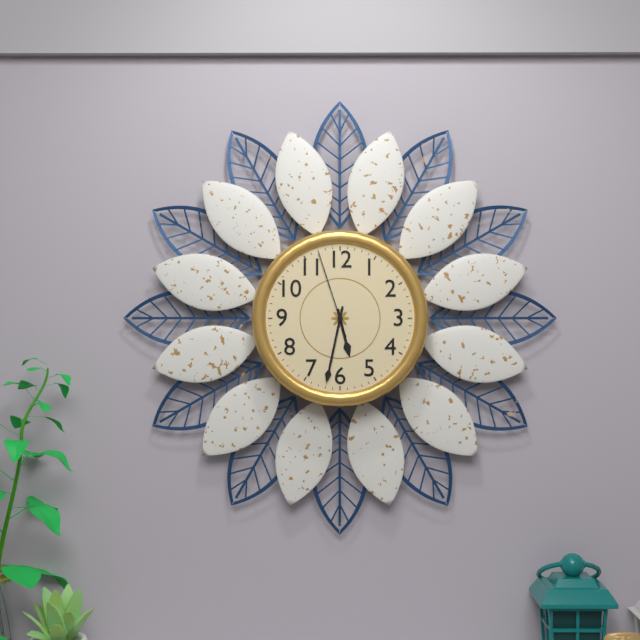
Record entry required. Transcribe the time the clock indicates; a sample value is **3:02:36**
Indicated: **5:32:57**
